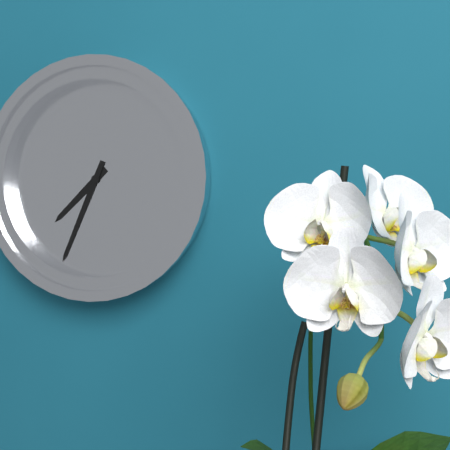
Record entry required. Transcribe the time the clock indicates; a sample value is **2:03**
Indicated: **7:34**
